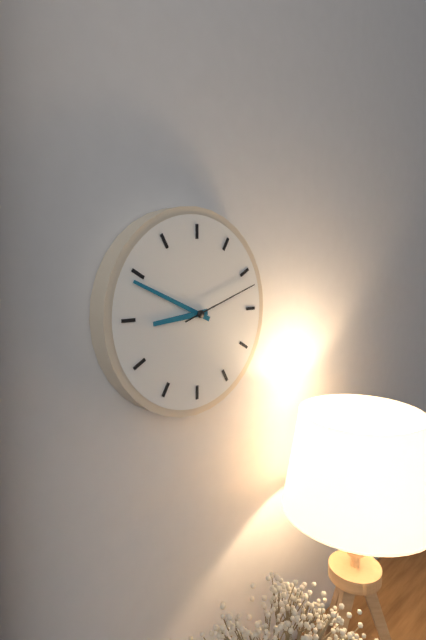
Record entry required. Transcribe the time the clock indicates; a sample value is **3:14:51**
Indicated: **8:49:12**
